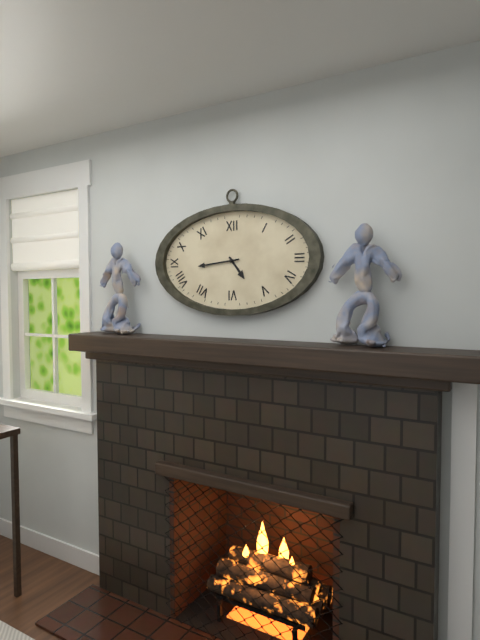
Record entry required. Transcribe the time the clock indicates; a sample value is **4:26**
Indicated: **4:44**
